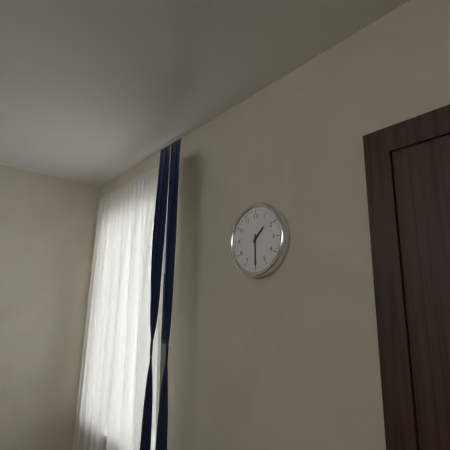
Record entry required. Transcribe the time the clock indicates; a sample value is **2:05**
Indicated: **1:30**
